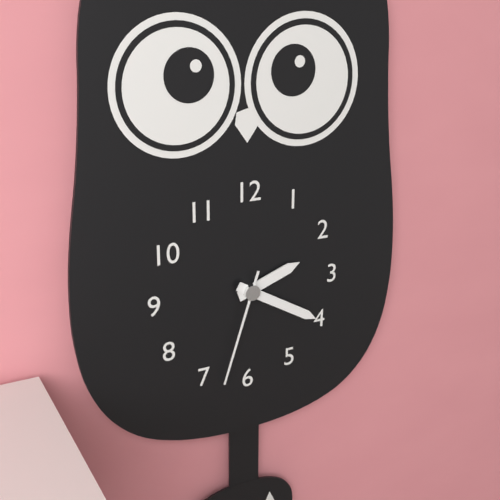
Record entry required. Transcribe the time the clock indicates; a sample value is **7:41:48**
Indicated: **2:20:33**
